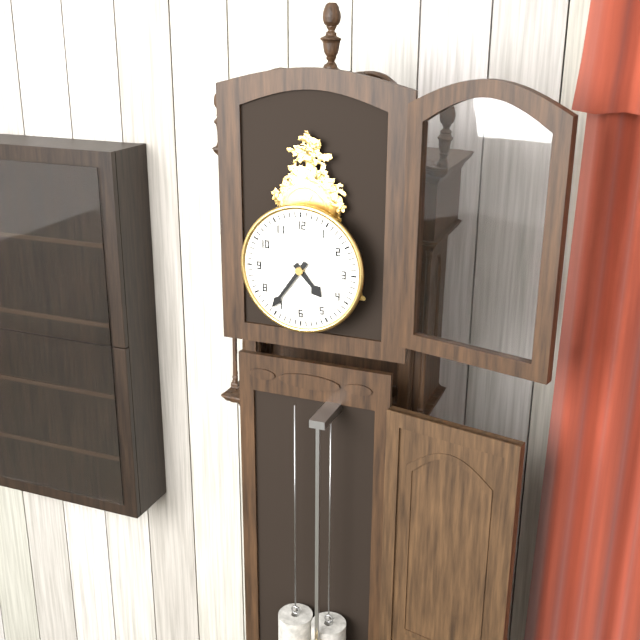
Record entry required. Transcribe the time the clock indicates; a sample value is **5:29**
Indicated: **4:36**
